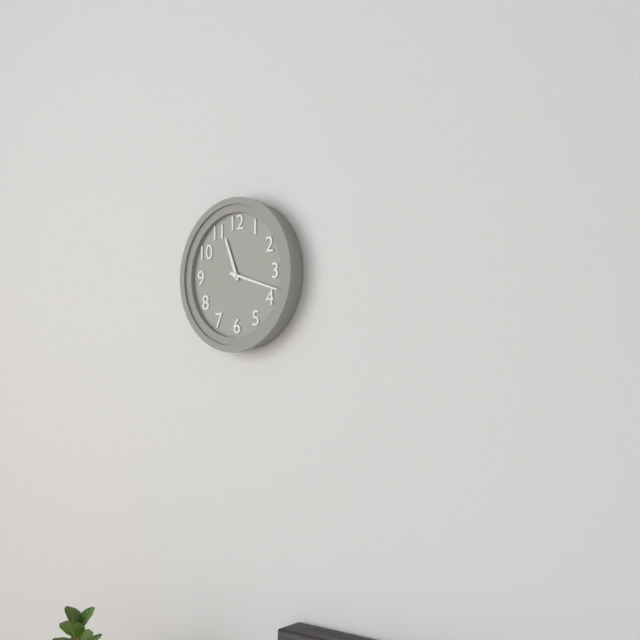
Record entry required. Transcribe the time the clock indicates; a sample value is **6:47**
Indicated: **11:18**
